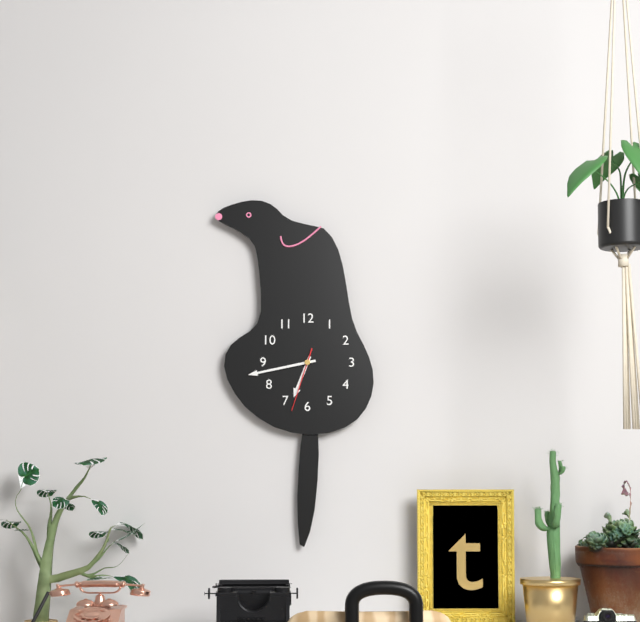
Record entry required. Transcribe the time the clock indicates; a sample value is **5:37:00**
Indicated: **6:43:33**
